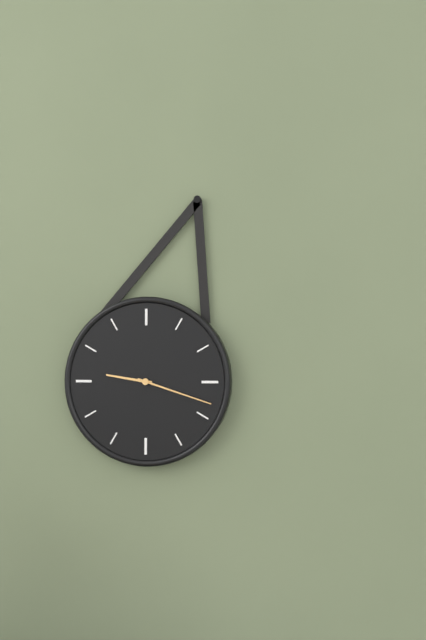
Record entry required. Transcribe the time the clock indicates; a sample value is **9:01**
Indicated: **9:18**
